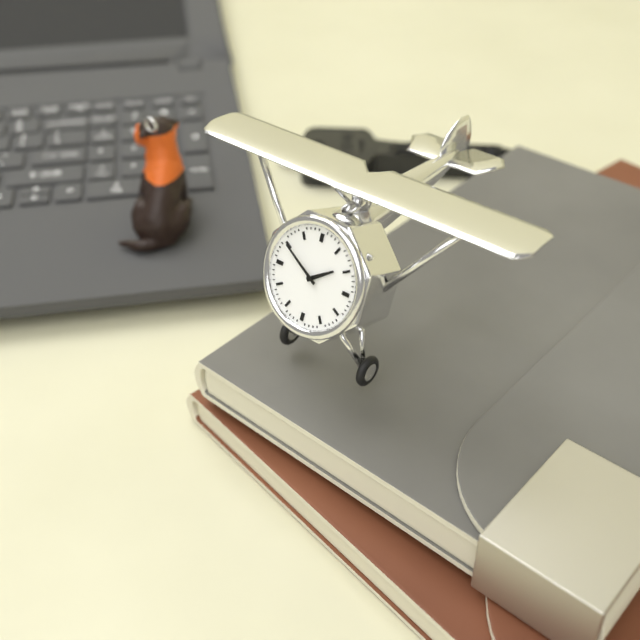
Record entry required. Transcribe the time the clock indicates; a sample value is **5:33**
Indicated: **1:50**
